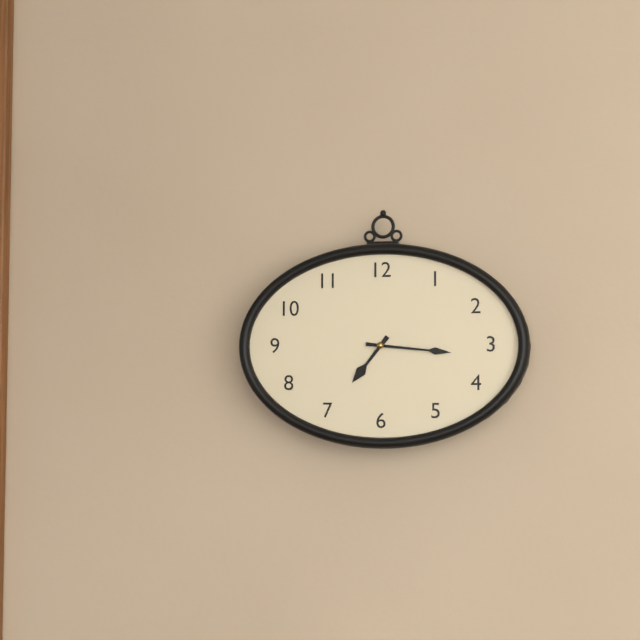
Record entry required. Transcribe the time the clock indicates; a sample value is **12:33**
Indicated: **7:16**
